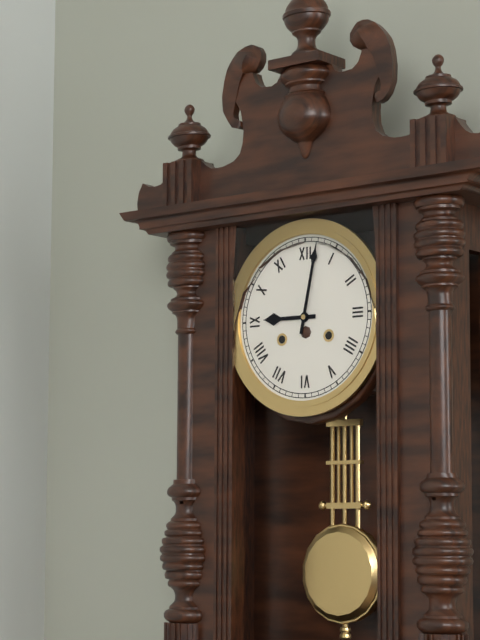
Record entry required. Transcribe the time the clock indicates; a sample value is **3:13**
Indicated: **9:02**
